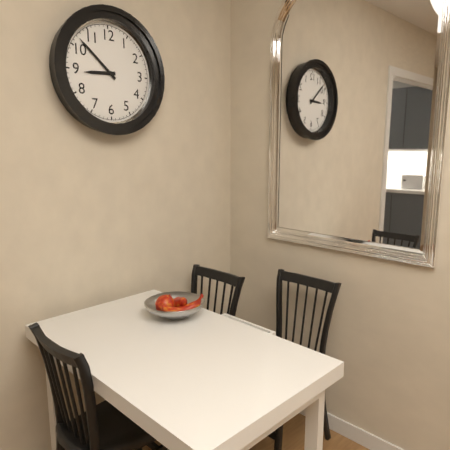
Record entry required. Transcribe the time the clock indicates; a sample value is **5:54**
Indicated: **8:52**
